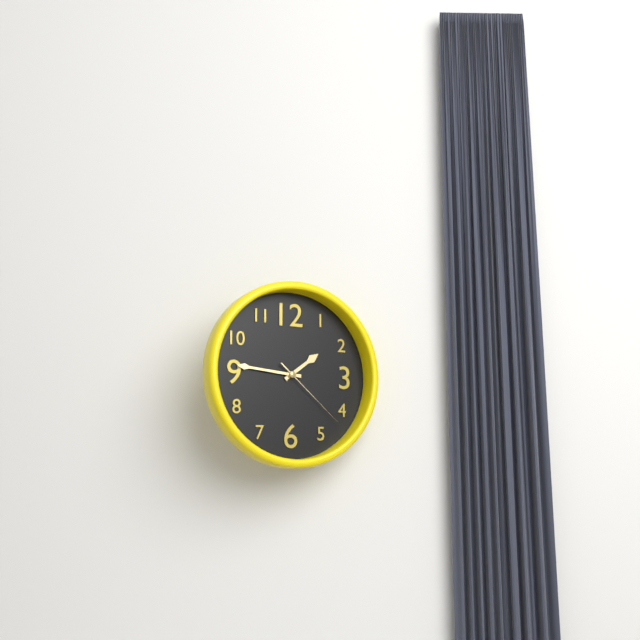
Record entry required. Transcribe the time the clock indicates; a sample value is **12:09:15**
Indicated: **1:46:22**
